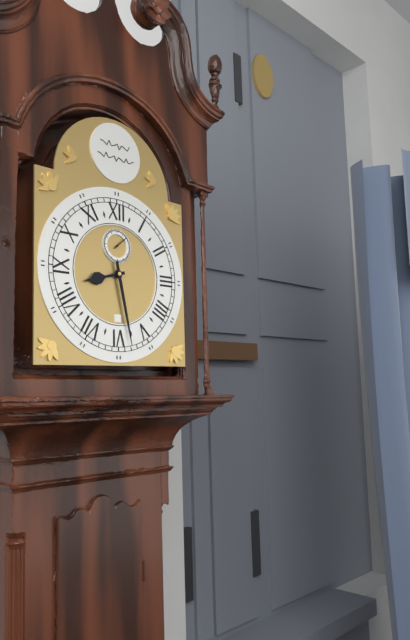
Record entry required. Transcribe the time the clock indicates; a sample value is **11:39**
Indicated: **8:28**
